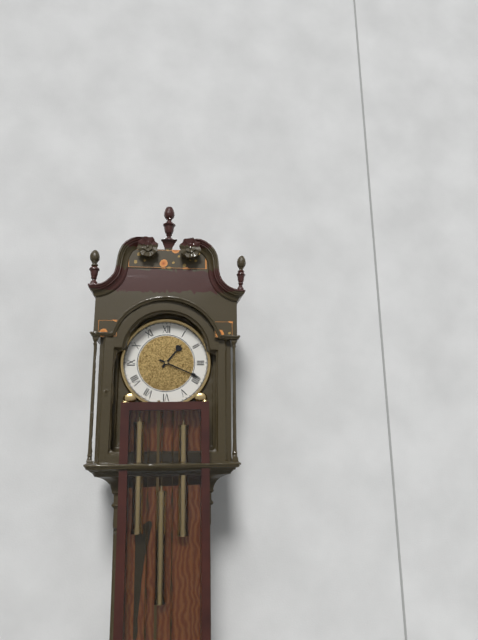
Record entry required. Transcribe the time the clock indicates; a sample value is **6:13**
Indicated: **1:19**
